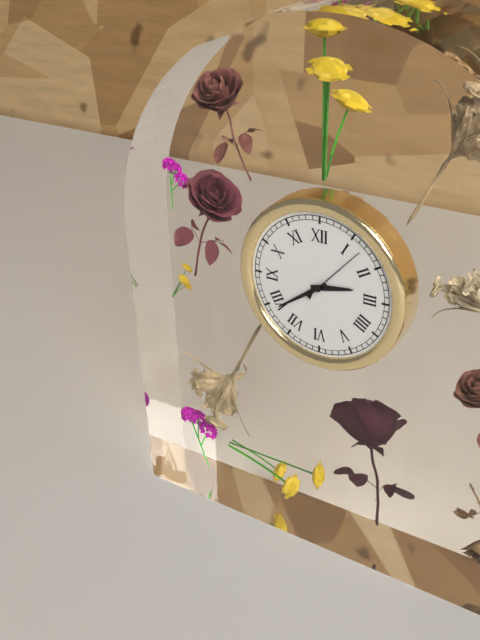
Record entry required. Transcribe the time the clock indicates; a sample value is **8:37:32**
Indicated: **2:39:07**
